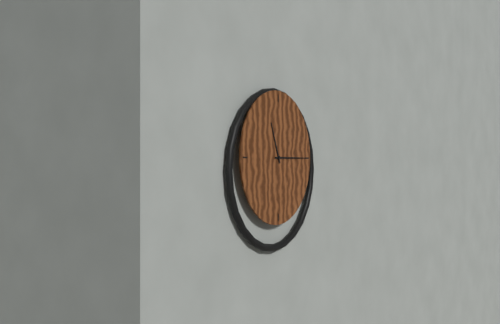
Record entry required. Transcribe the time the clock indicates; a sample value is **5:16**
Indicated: **11:15**
